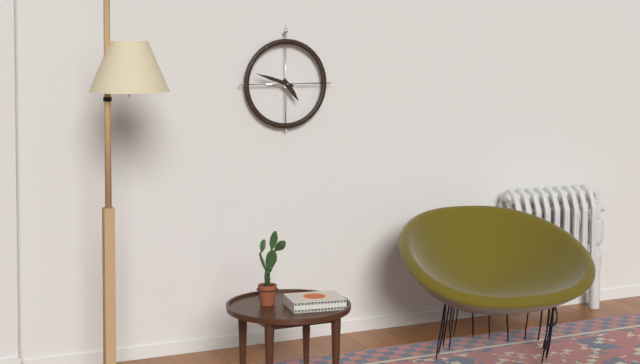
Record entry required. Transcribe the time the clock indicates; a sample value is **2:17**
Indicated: **4:48**
